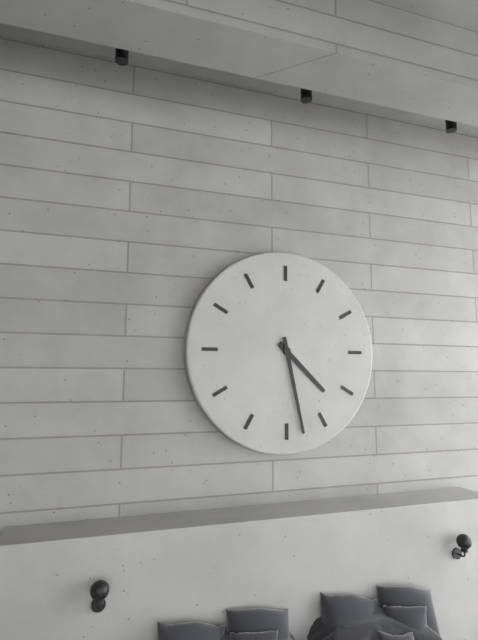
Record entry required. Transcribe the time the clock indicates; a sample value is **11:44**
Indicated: **4:28**
